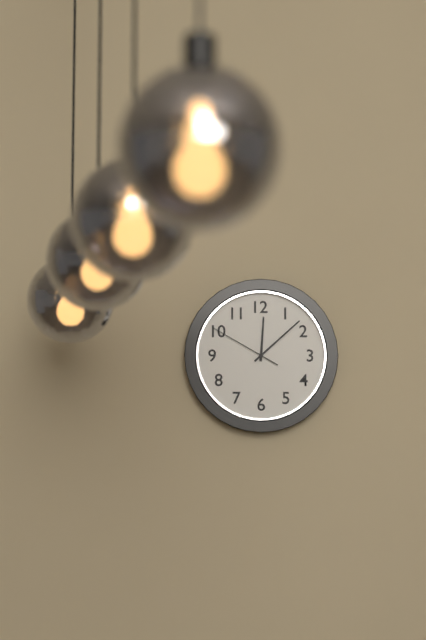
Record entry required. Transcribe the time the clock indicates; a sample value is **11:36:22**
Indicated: **12:08:50**
